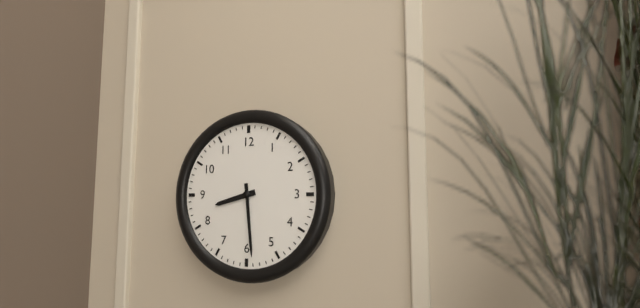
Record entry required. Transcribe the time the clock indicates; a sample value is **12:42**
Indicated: **8:29**
